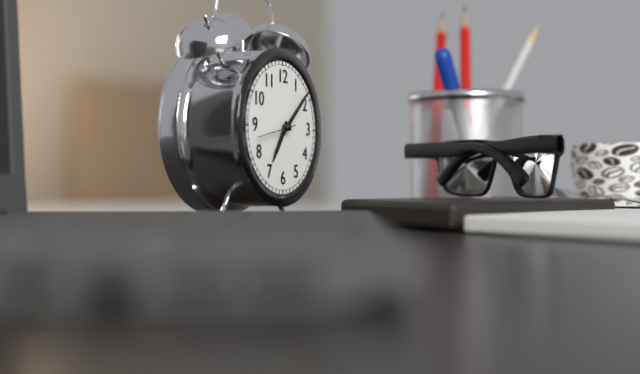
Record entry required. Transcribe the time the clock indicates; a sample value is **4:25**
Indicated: **7:08**
